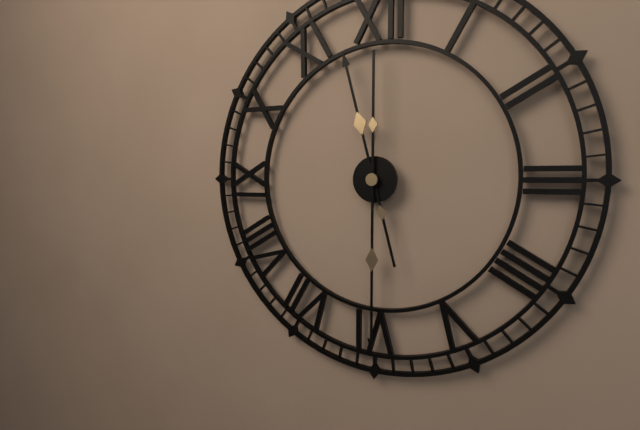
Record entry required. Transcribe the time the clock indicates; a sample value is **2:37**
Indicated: **11:30**
